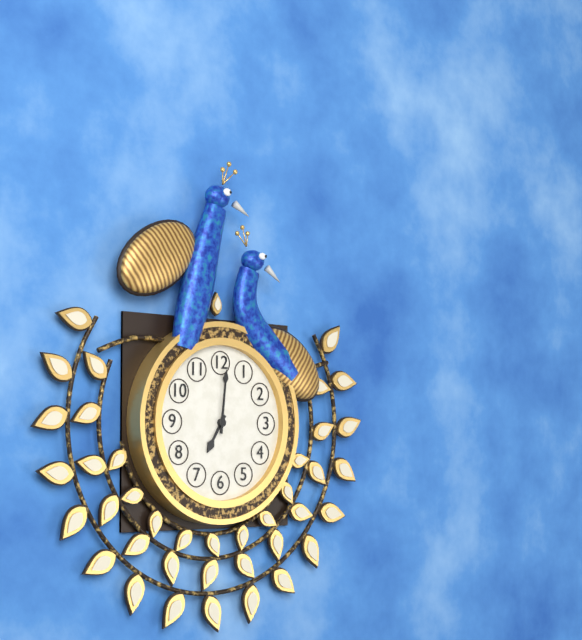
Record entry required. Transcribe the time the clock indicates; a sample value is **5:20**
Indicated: **7:01**
